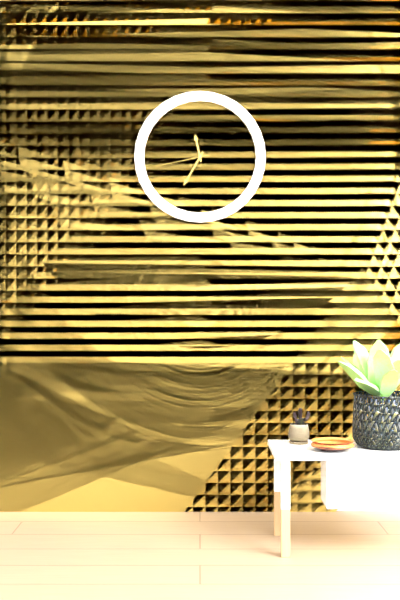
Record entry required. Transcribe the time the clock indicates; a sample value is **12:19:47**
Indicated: **11:35:43**
